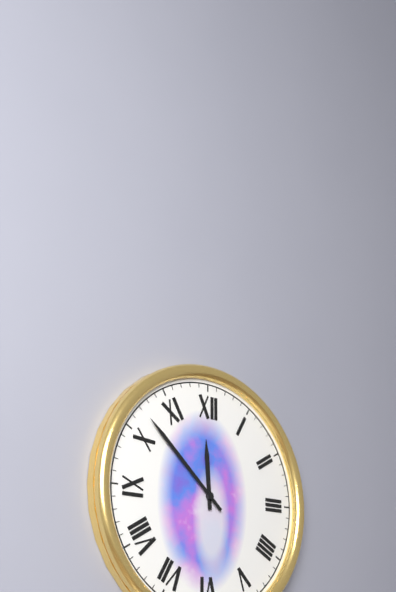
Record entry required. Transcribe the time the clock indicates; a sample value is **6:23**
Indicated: **11:52**
